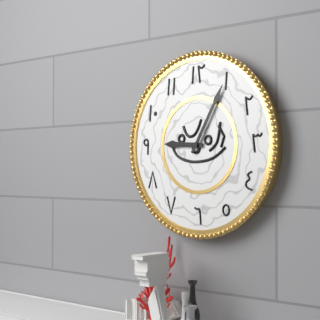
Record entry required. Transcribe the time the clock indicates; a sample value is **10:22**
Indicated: **9:05**
